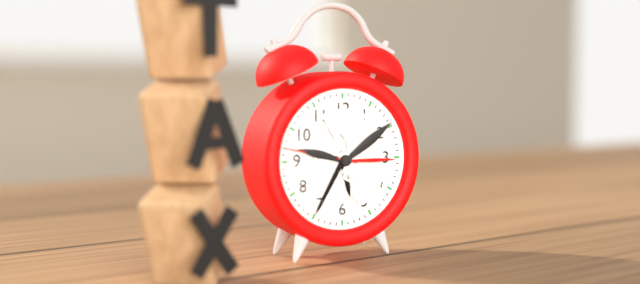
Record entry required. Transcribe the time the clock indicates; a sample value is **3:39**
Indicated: **5:35**
